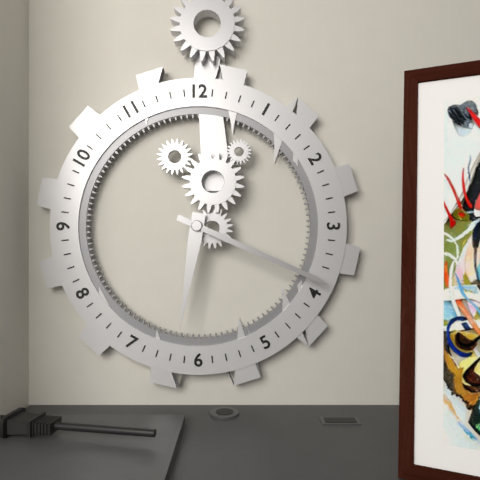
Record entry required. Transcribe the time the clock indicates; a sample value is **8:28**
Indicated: **6:19**
